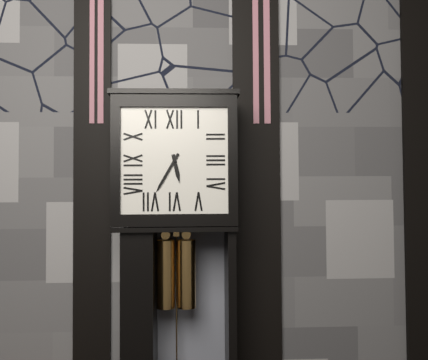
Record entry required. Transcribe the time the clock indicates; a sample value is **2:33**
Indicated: **5:35**
